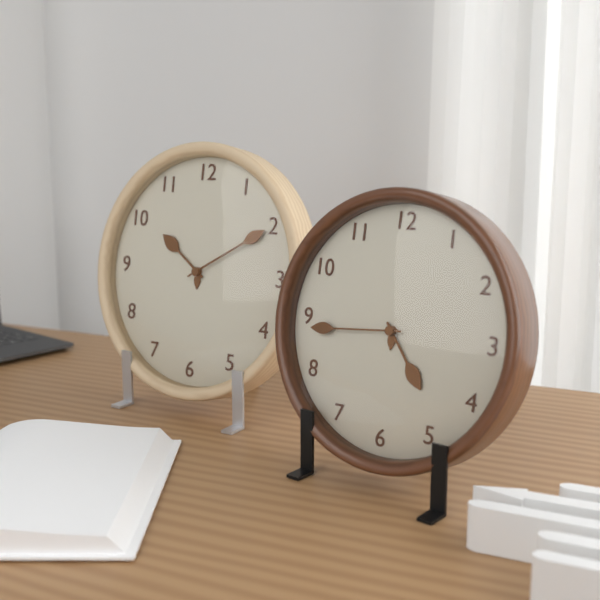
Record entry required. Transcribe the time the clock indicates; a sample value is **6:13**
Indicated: **4:44**
